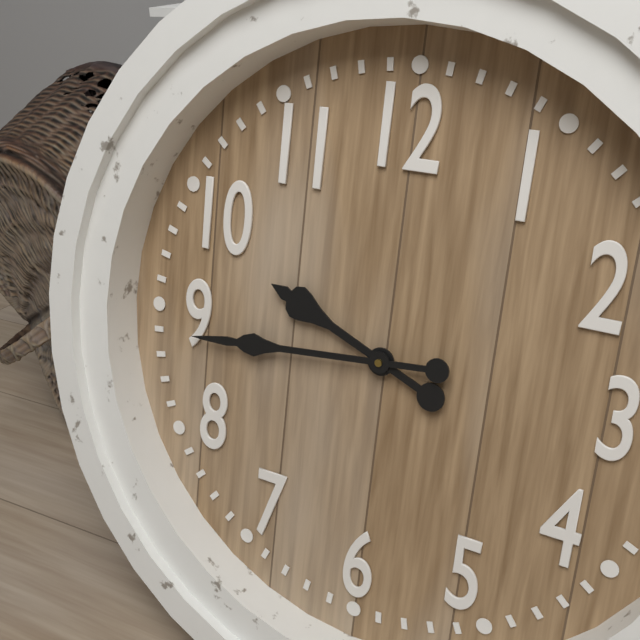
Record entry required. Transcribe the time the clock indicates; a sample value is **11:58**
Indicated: **9:44**
